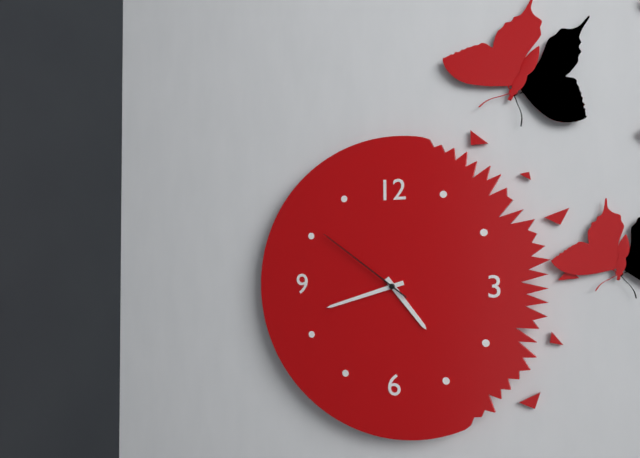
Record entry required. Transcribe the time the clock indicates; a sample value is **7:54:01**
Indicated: **4:42:51**
